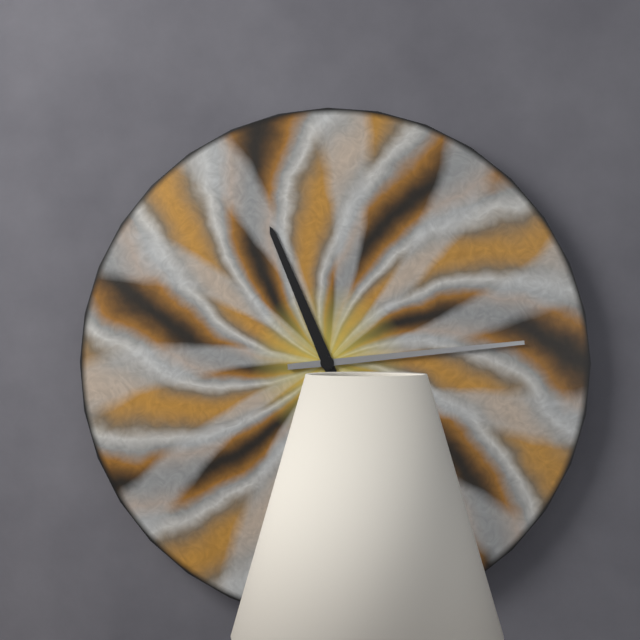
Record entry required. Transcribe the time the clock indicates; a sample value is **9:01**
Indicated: **11:14**
